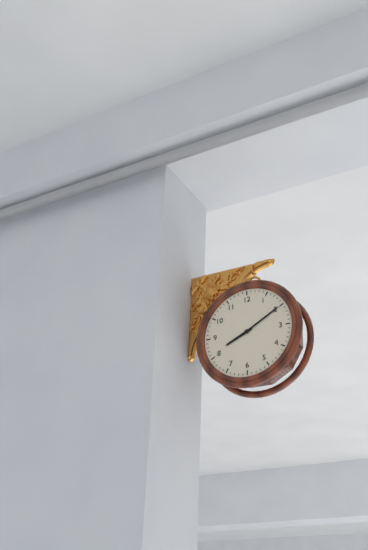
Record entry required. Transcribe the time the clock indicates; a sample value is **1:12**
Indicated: **8:10**
